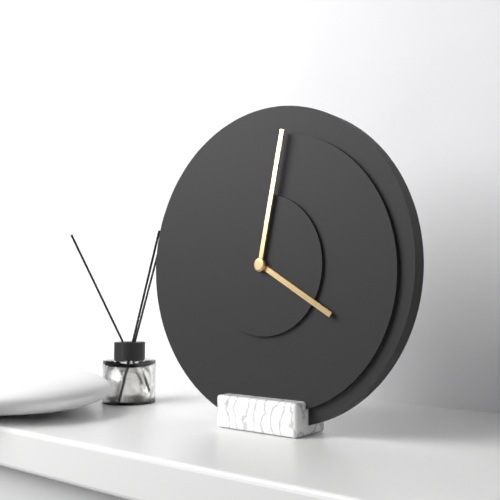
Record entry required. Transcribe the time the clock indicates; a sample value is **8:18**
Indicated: **4:02**
